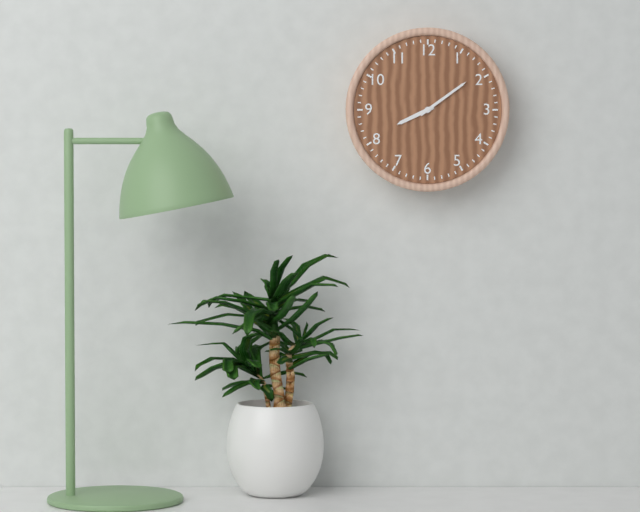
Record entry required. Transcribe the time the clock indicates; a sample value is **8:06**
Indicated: **8:09**
